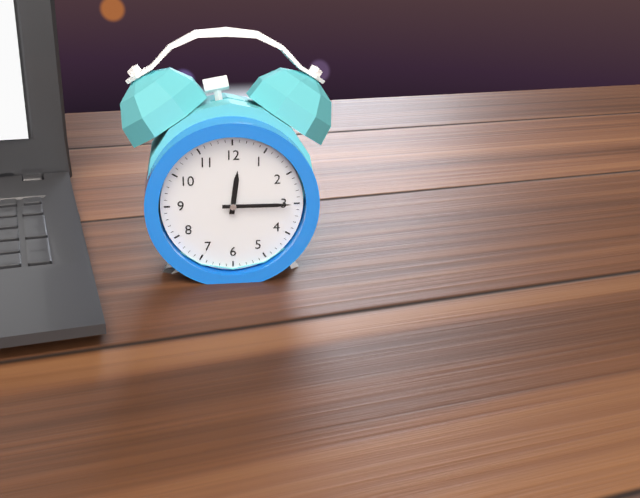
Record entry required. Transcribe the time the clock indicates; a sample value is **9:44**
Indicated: **12:15**
